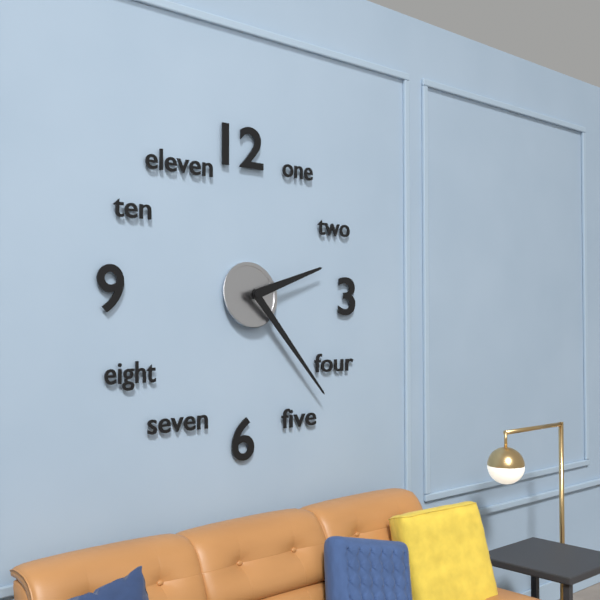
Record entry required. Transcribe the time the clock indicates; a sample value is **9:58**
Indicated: **2:23**
